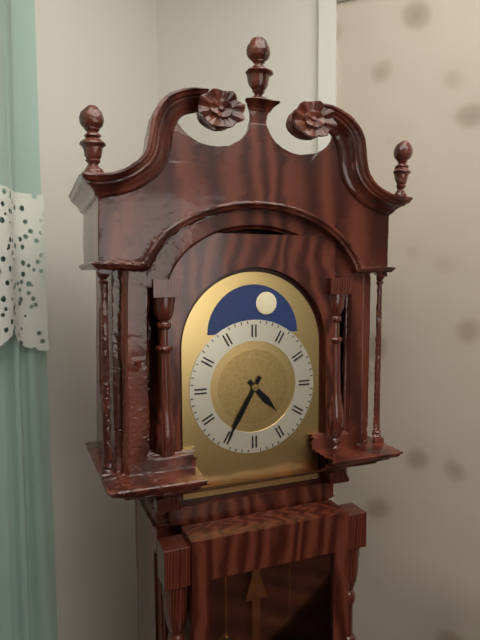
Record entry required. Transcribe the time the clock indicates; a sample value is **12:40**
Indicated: **4:35**
